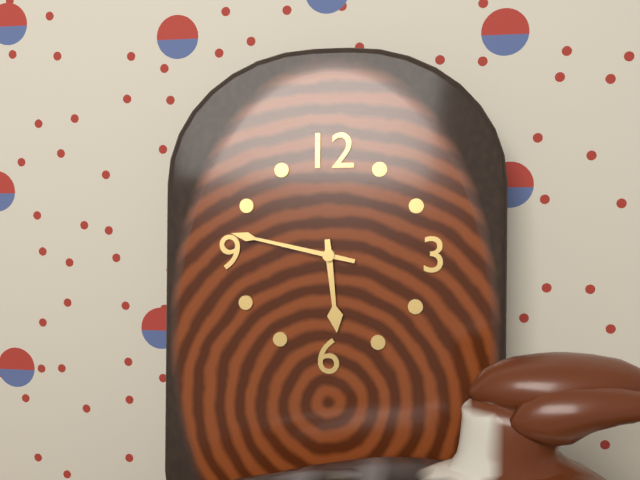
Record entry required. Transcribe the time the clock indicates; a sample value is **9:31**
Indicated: **5:47**
